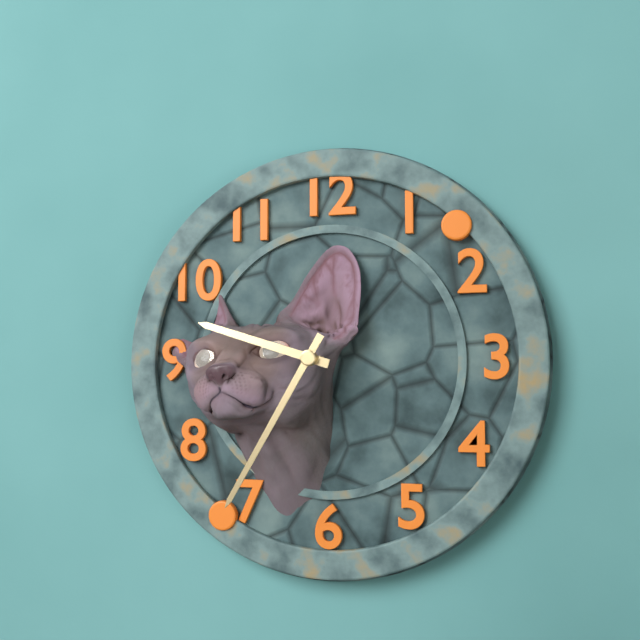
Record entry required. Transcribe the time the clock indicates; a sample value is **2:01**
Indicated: **9:35**
